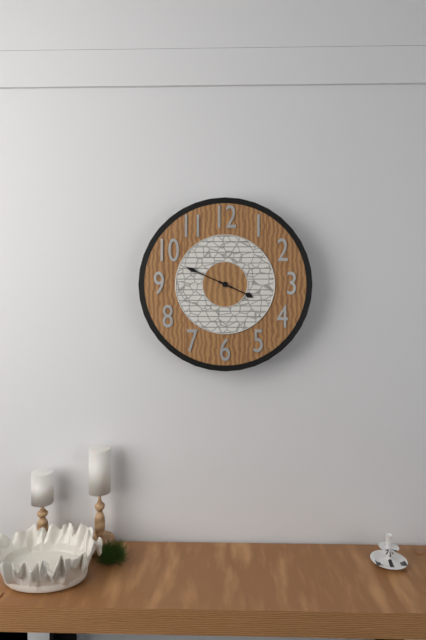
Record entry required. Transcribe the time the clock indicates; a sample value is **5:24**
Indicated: **3:49**
